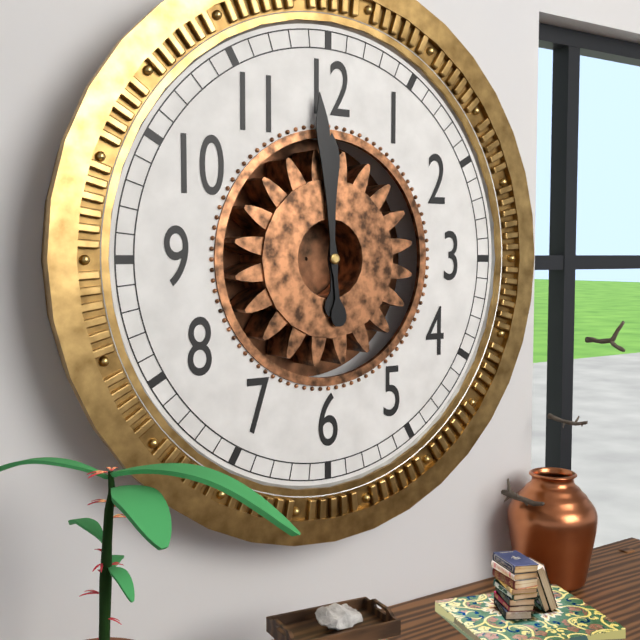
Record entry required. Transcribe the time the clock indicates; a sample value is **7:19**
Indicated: **11:59**
